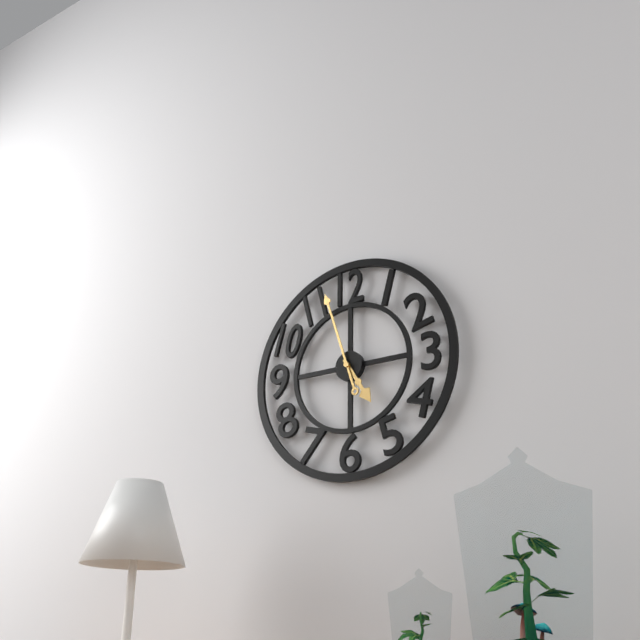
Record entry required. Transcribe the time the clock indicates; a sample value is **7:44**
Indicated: **4:57**
